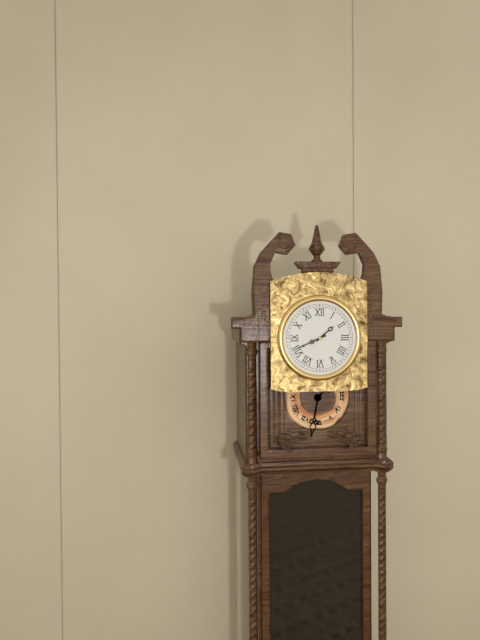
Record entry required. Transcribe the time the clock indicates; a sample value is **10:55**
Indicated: **1:41**
